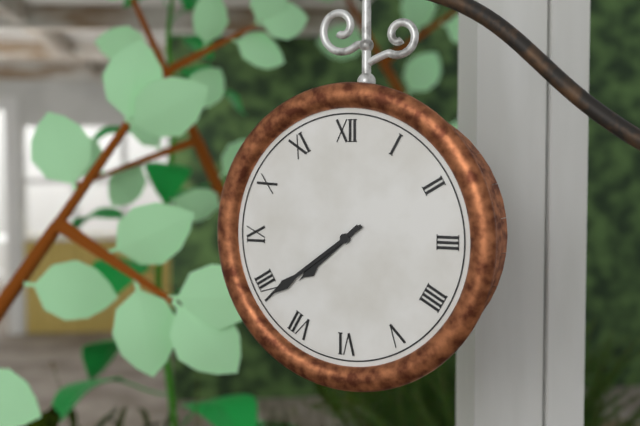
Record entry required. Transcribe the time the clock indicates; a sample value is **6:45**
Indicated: **7:39**
